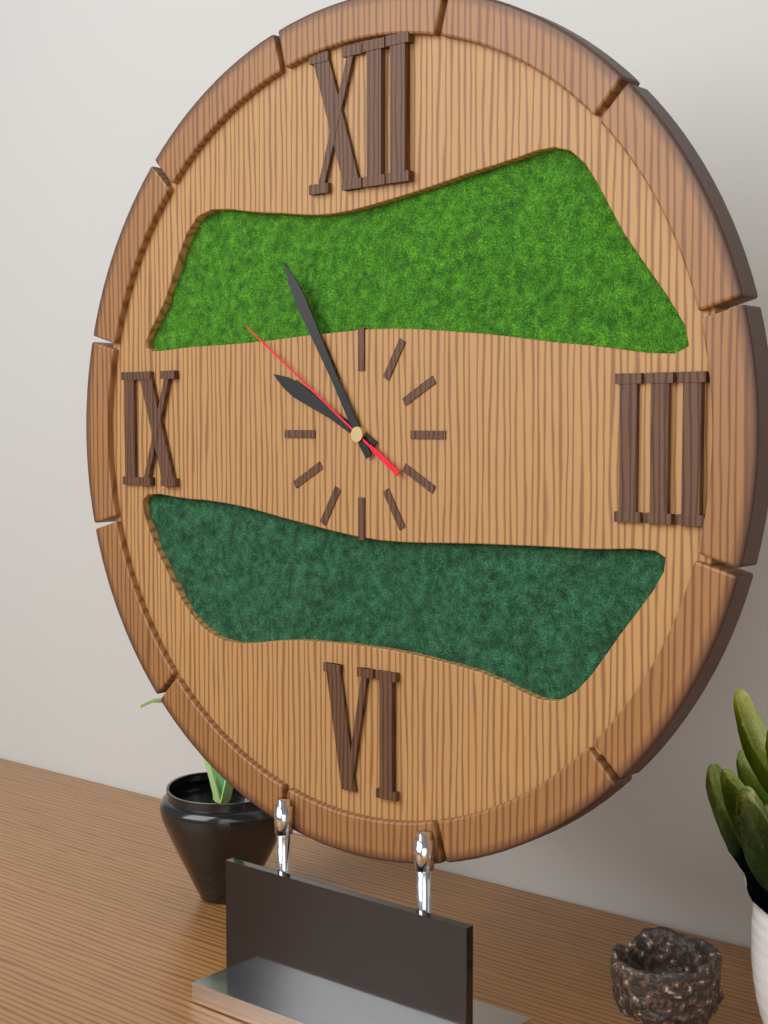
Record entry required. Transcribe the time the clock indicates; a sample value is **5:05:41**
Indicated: **9:55:51**
